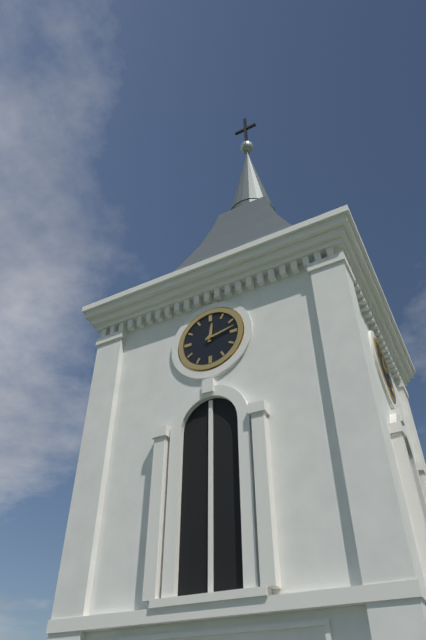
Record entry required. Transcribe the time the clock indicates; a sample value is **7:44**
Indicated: **12:13**
